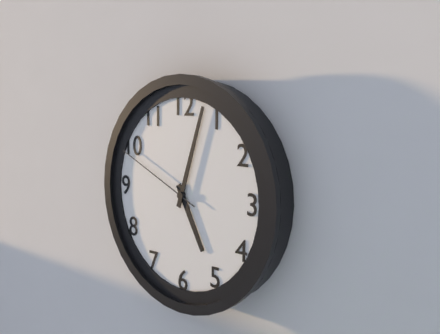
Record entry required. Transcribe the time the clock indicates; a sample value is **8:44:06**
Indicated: **5:03:49**
